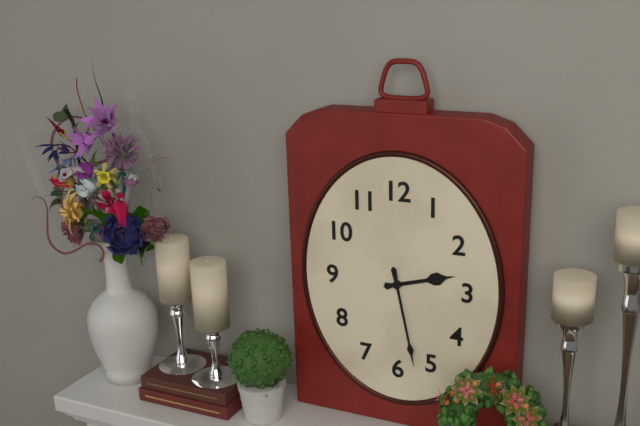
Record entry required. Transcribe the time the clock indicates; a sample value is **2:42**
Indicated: **2:28**
